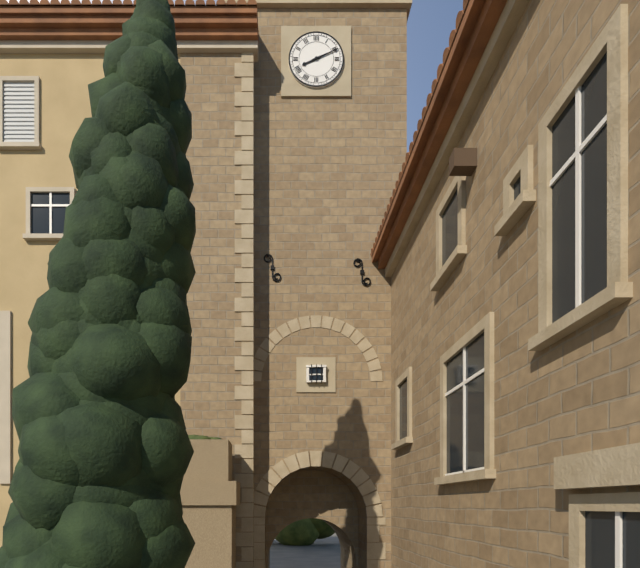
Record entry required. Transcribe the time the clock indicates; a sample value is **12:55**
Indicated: **8:11**
